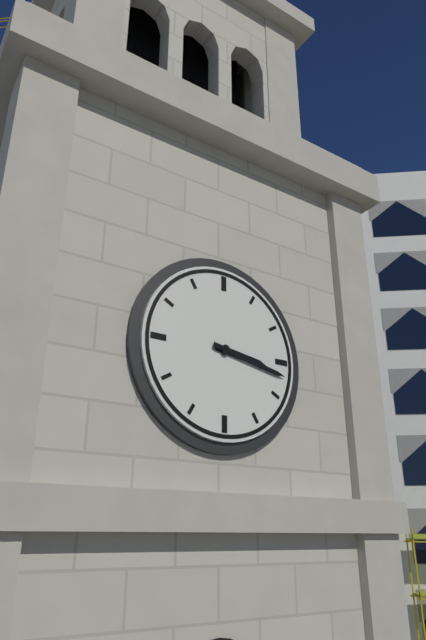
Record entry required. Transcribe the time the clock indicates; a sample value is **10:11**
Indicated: **3:17**
